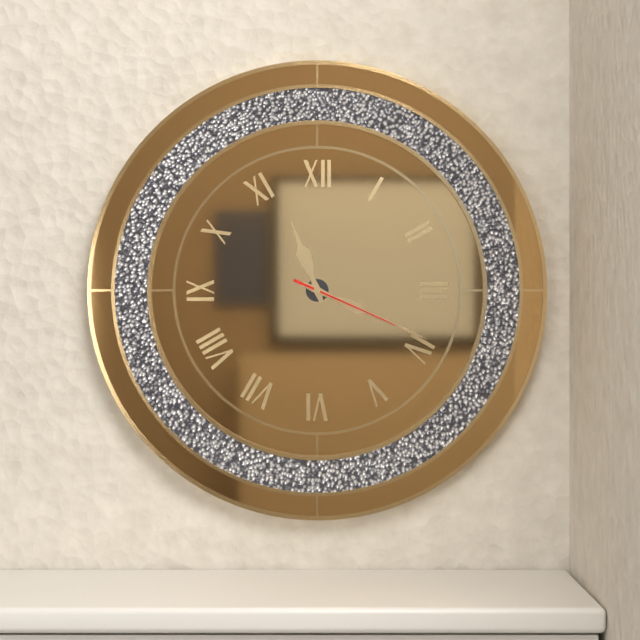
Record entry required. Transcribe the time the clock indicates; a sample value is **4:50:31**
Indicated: **11:19:19**
